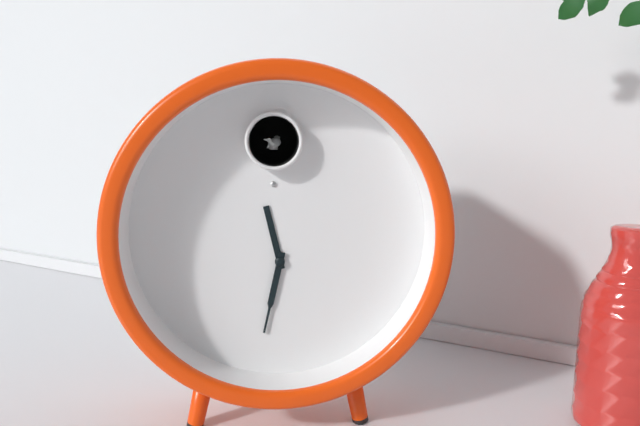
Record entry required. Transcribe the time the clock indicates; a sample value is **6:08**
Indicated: **11:32**
